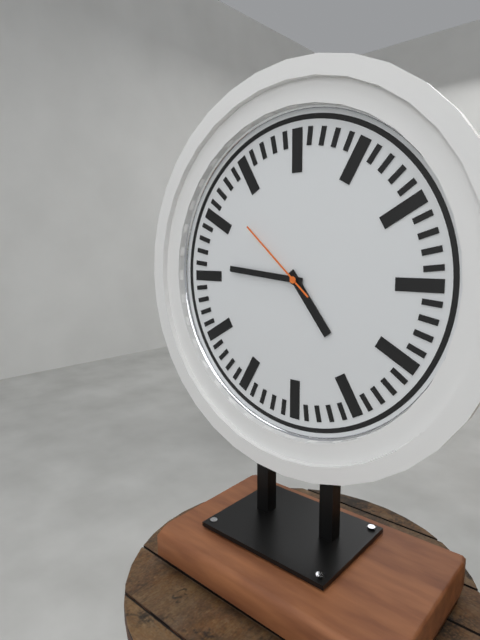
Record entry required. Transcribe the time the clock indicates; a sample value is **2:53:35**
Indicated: **4:46:52**
